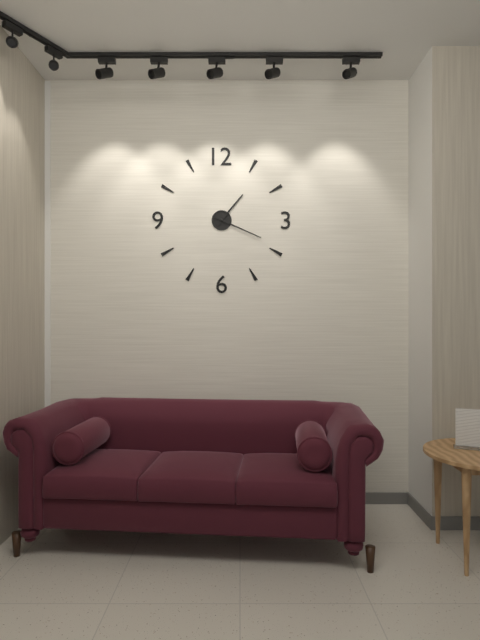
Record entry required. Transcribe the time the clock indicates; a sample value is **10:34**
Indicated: **1:19**
